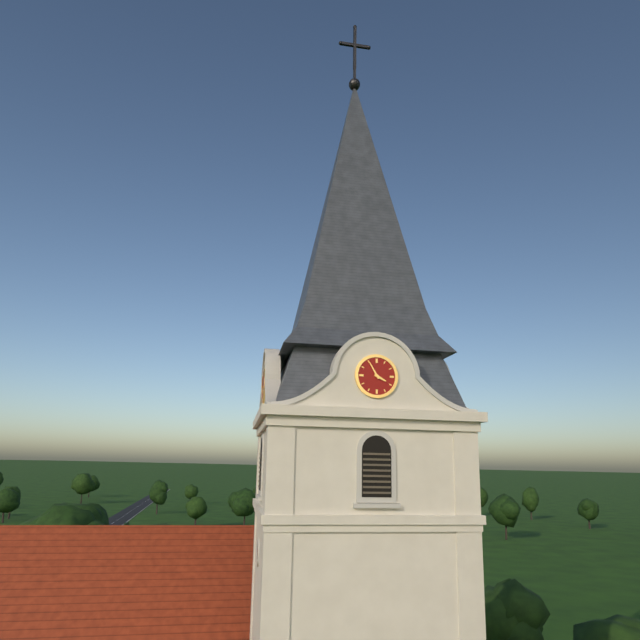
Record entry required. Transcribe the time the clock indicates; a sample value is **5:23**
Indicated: **3:55**
